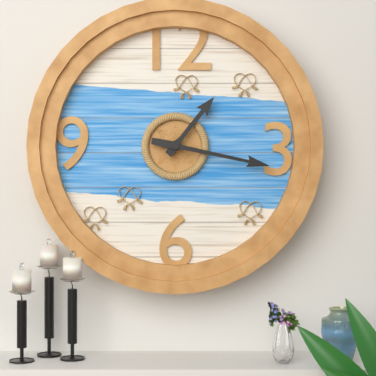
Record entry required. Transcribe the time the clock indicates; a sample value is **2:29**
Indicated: **1:17**
